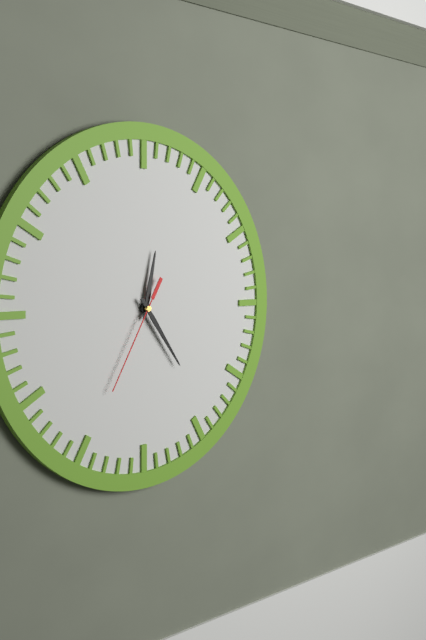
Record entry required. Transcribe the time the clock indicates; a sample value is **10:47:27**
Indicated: **12:24:35**
